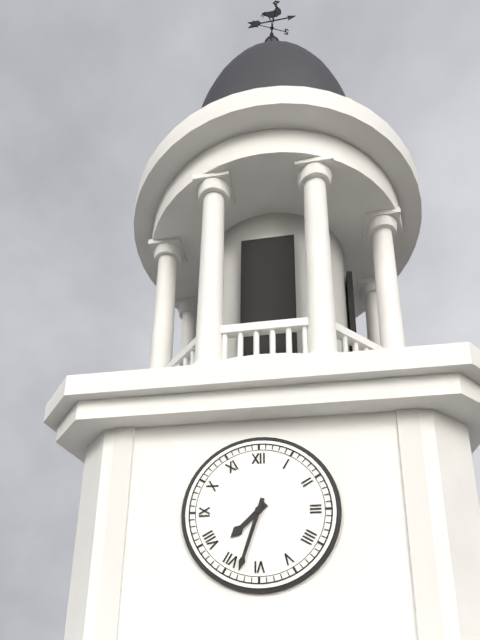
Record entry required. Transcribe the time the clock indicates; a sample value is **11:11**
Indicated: **7:33**
